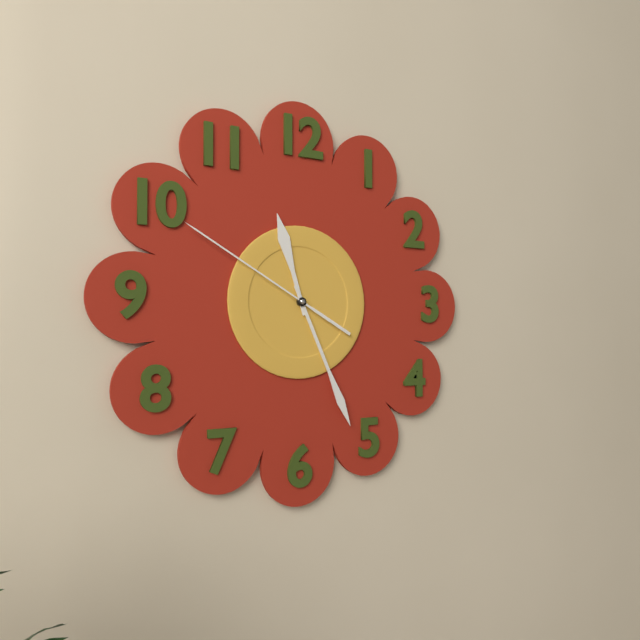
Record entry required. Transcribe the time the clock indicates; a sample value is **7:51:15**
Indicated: **11:26:50**
